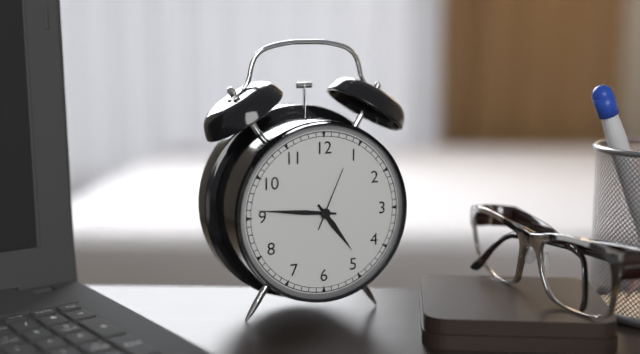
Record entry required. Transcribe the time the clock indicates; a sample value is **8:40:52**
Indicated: **4:46:04**
